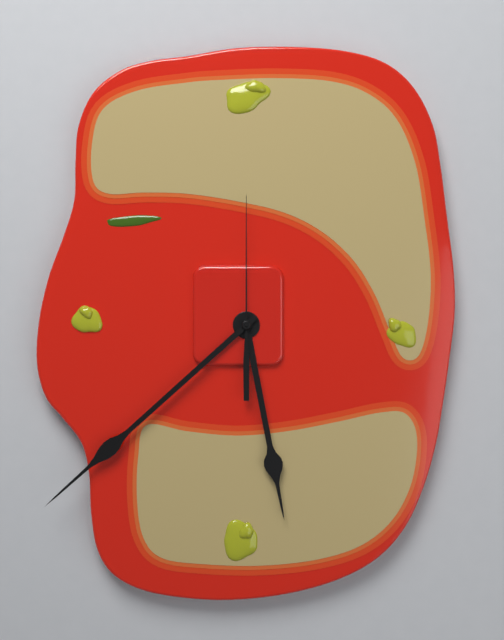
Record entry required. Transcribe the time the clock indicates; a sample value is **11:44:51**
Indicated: **5:38:00**
